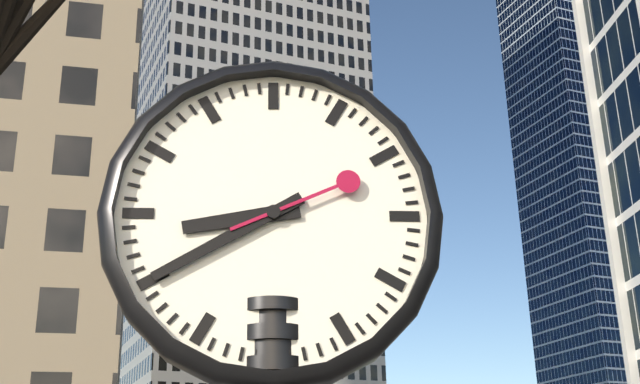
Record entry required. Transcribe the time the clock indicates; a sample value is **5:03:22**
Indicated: **8:40:11**
